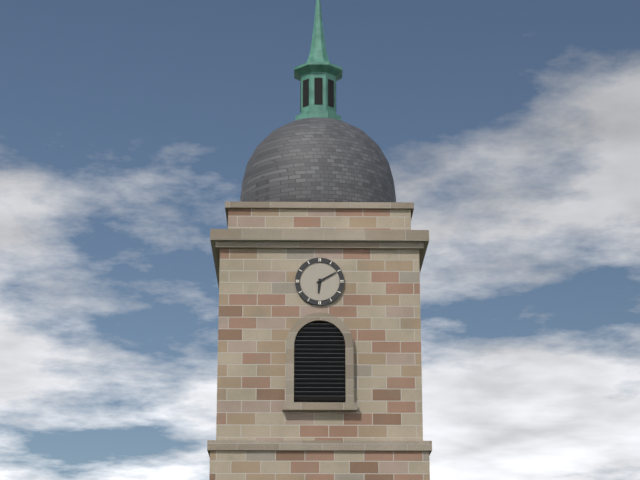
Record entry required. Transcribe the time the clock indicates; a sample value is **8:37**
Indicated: **6:10**
